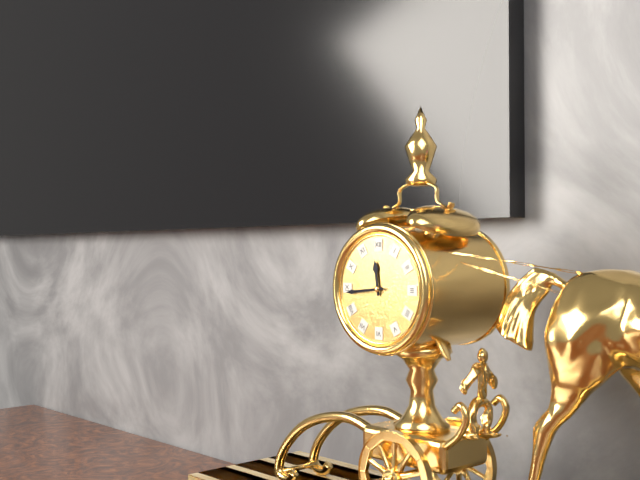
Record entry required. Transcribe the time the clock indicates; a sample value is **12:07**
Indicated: **11:44**
